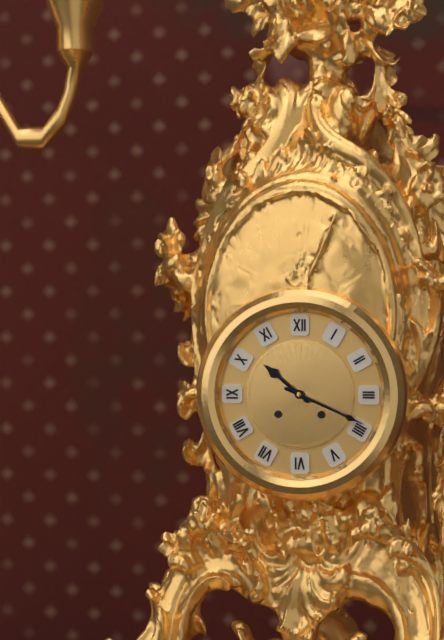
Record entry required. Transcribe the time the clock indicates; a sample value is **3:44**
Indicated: **10:19**
